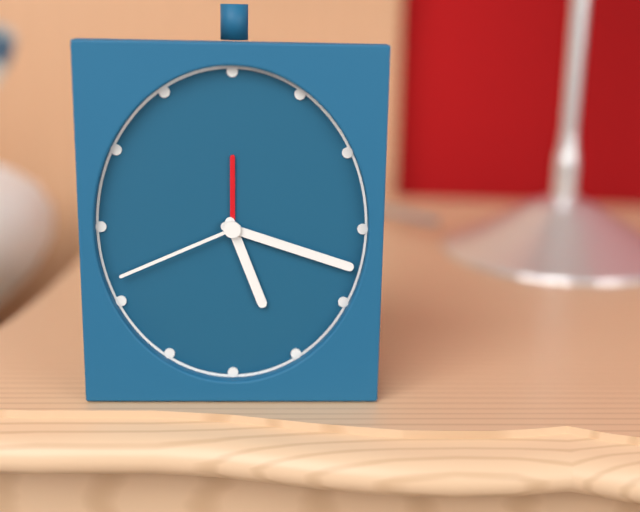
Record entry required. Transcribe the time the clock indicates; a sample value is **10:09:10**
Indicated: **5:18:41**
